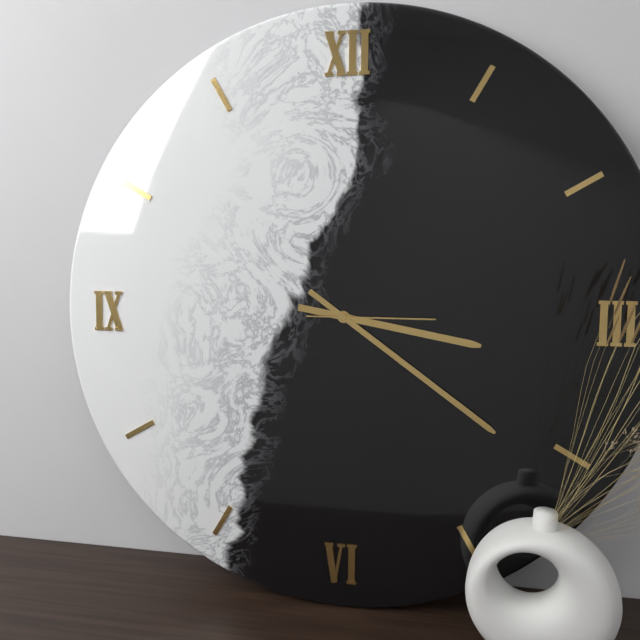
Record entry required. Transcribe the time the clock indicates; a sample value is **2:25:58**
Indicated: **3:21:15**
